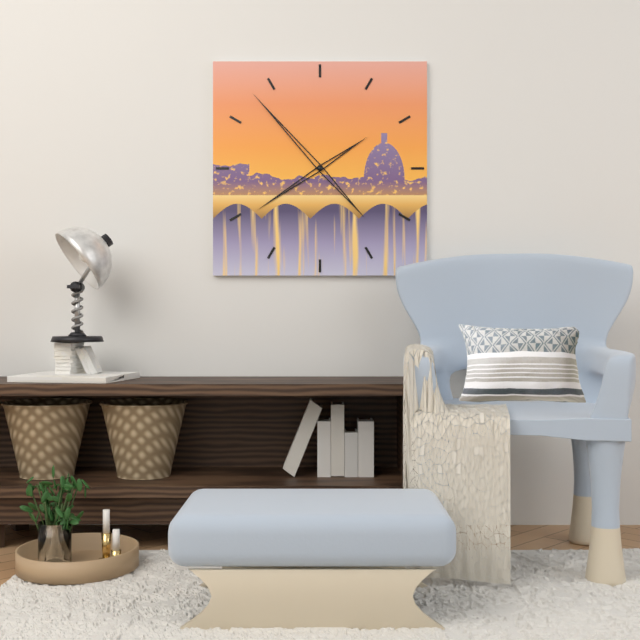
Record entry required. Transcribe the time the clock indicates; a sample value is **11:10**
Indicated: **7:53**
